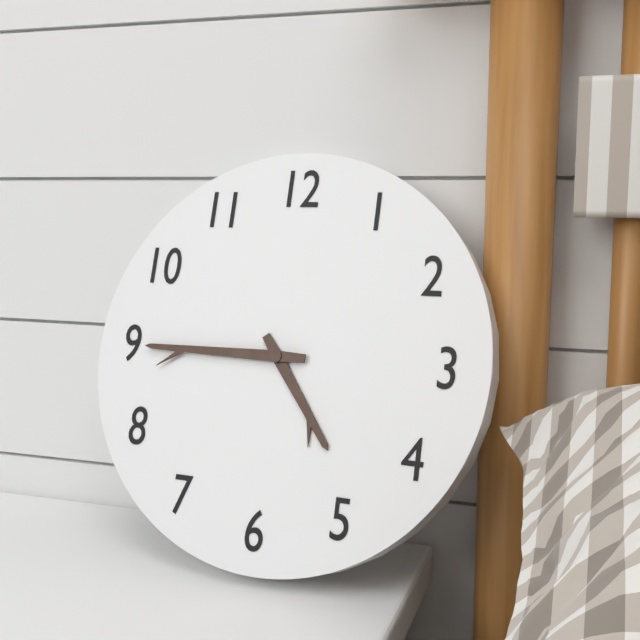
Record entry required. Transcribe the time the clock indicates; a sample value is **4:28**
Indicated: **4:45**
